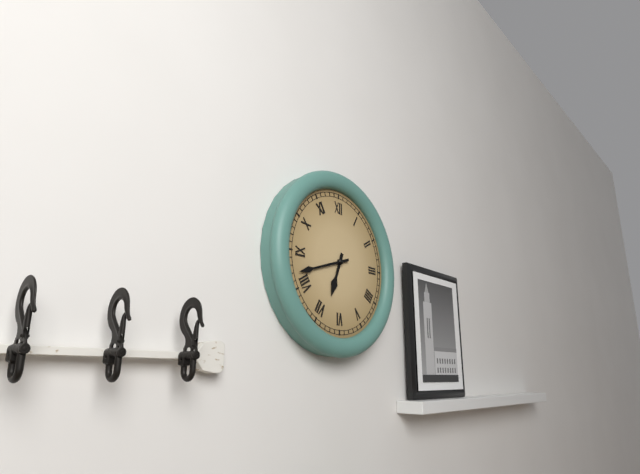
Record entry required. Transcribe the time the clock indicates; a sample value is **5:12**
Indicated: **6:42**
